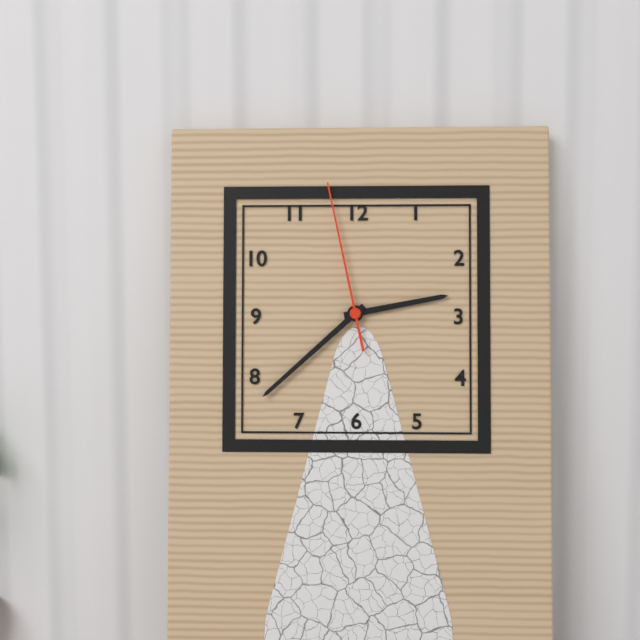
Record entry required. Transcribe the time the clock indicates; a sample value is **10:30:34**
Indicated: **2:38:58**
